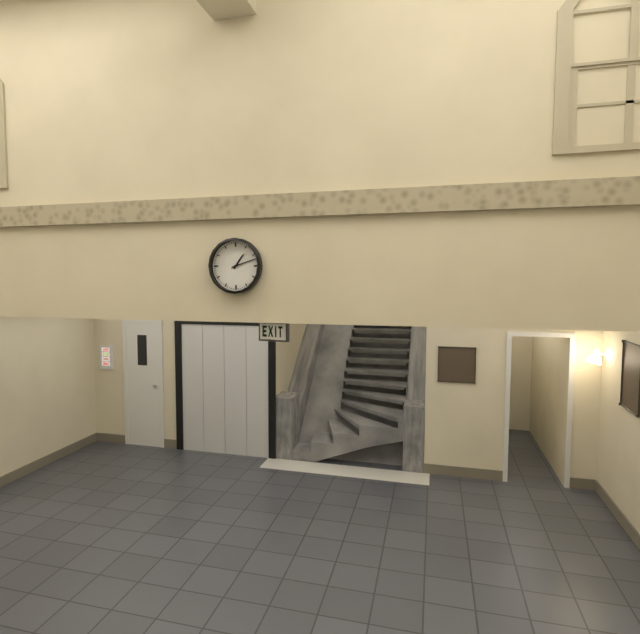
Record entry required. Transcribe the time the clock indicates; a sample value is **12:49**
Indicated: **1:12**
